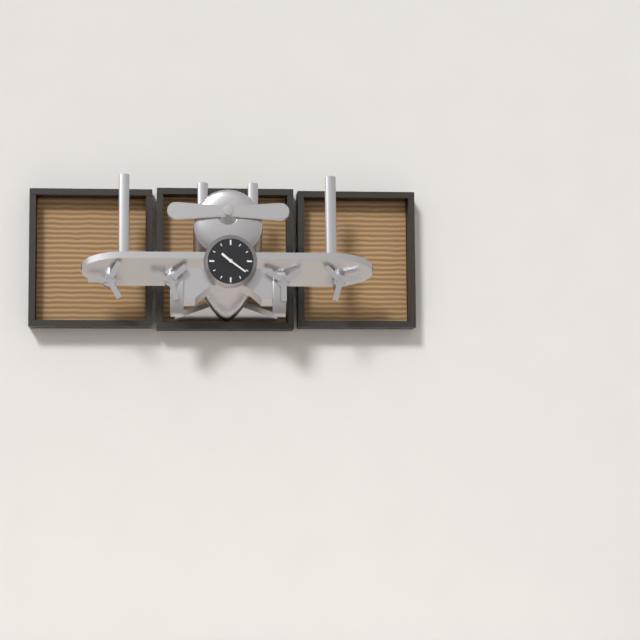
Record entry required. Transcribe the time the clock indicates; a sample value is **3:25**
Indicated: **10:21**
